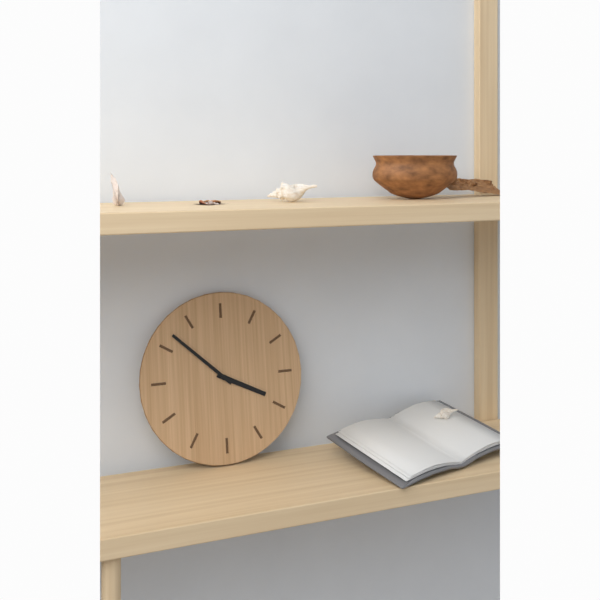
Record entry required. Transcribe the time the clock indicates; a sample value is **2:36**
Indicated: **3:52**
